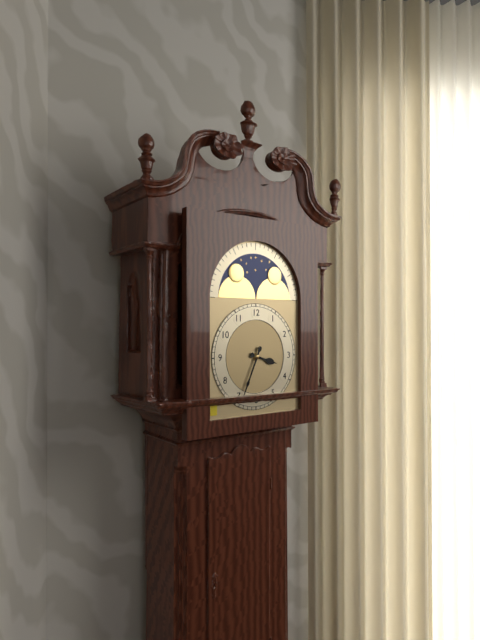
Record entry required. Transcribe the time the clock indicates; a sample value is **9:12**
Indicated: **3:34**
